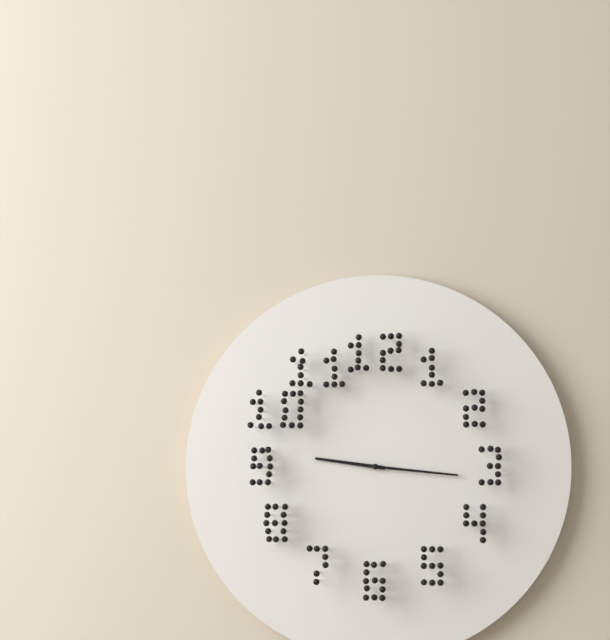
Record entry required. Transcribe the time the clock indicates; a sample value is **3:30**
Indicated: **9:16**
